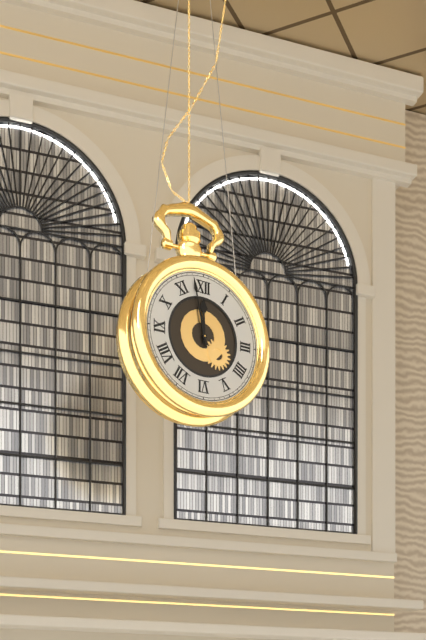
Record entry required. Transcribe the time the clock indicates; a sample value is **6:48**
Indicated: **11:58**
